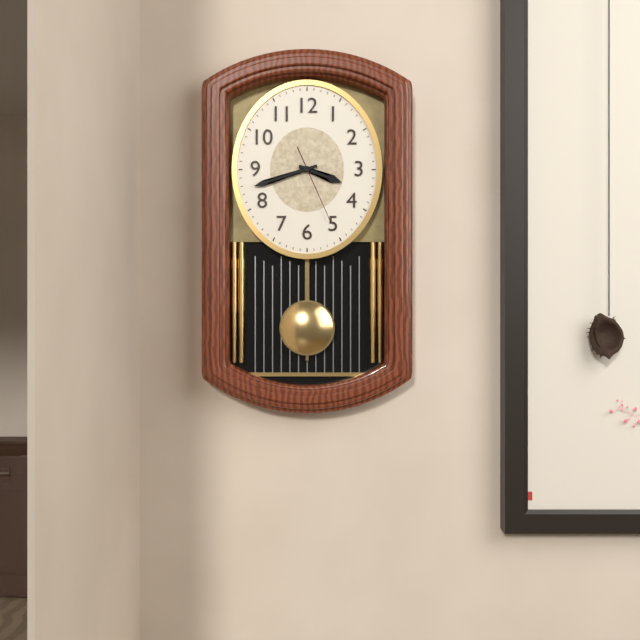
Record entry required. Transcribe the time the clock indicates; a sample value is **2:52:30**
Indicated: **3:42:26**
